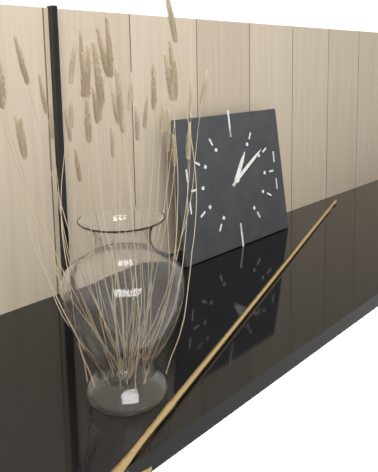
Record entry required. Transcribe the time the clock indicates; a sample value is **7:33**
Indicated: **1:10**
